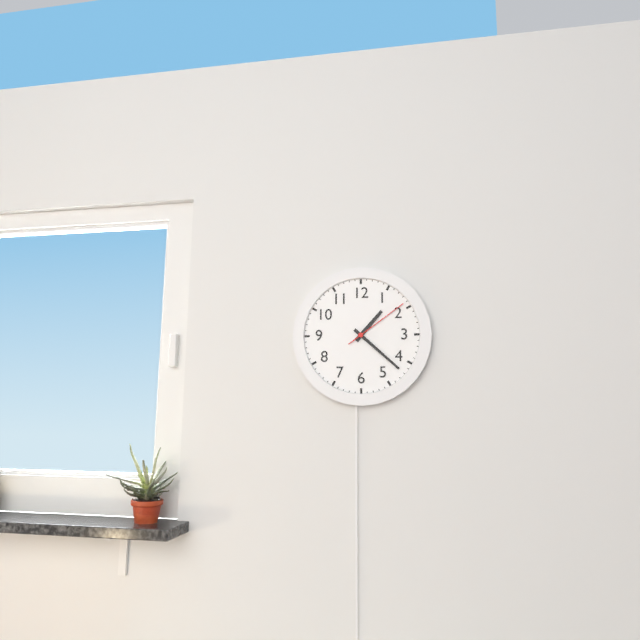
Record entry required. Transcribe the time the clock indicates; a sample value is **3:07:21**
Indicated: **1:22:09**
